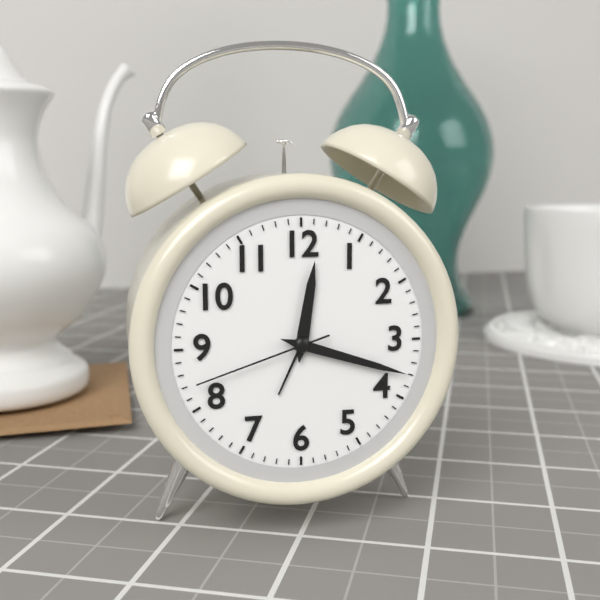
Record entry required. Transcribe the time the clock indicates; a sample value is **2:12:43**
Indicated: **12:18:42**
